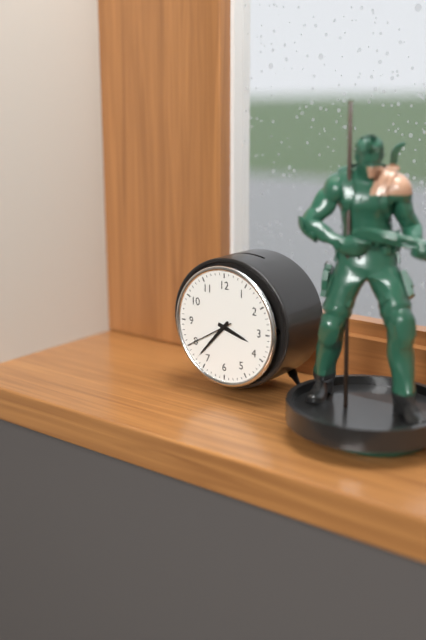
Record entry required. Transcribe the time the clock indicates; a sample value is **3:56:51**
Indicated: **3:37:40**
